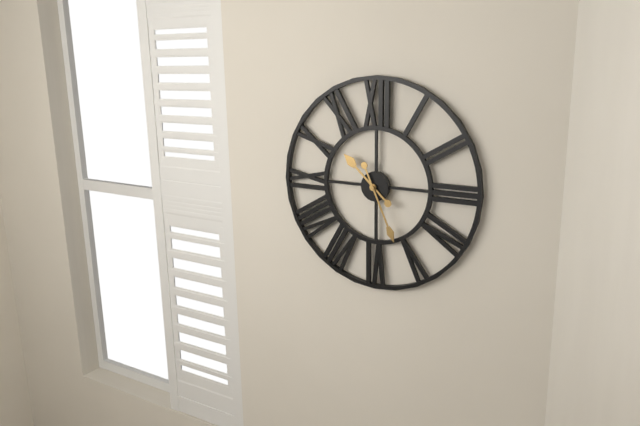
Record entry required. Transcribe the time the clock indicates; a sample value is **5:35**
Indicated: **10:26**
